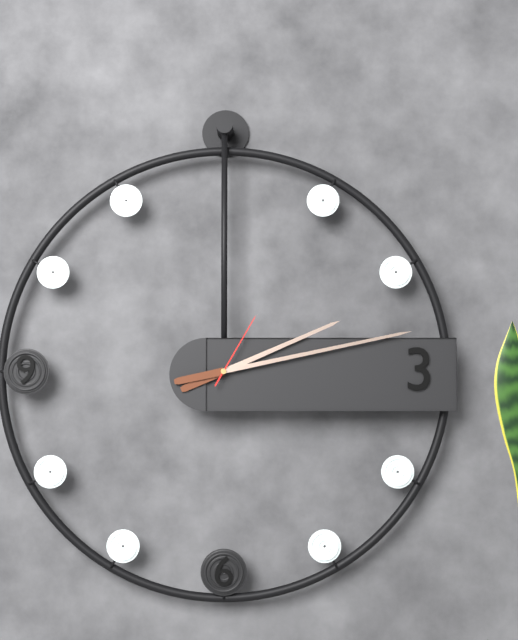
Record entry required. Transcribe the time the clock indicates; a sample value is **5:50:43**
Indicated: **2:13:05**
